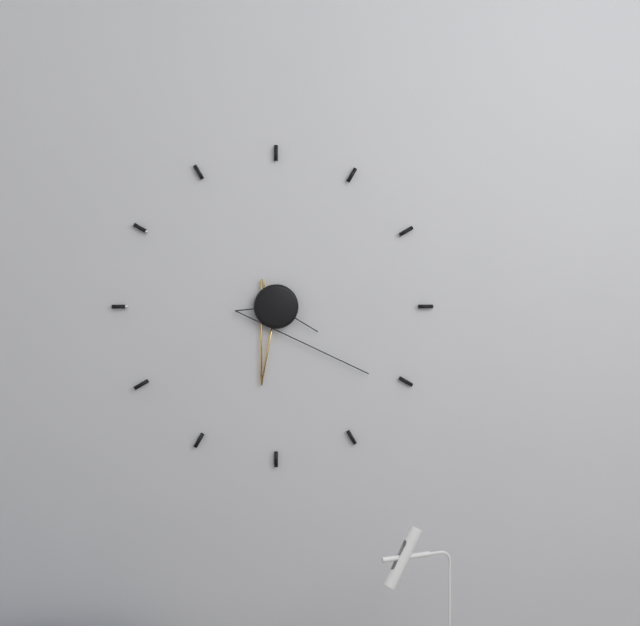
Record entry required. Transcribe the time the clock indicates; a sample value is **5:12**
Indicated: **6:21**
